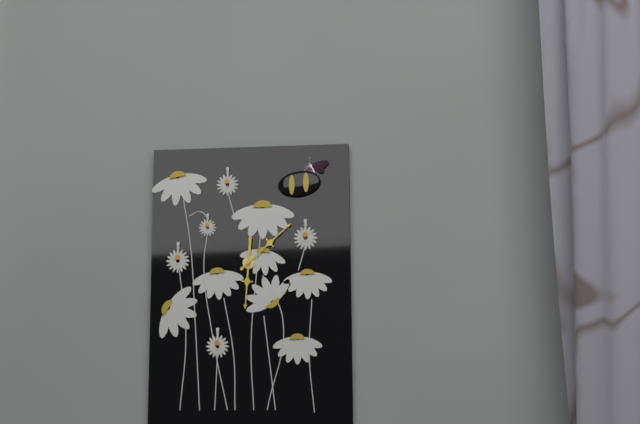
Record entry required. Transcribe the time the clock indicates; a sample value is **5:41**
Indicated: **6:08**
